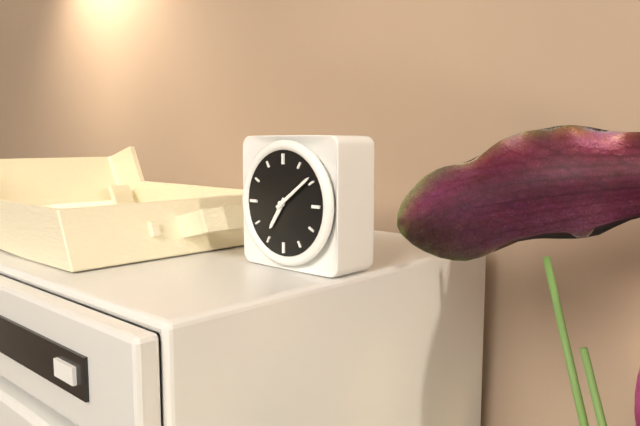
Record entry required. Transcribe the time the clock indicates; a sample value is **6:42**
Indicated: **7:09**
